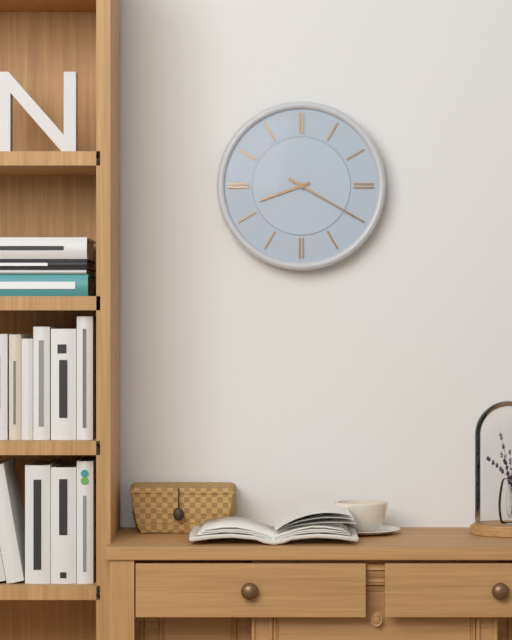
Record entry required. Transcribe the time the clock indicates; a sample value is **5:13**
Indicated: **8:20**
